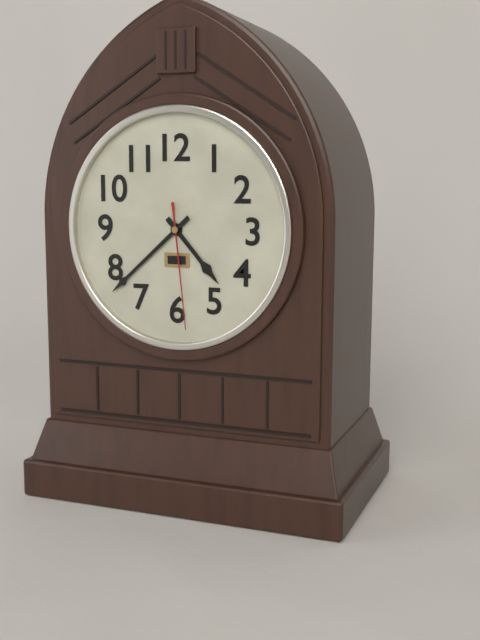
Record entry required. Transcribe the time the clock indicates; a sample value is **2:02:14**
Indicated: **4:38:29**
